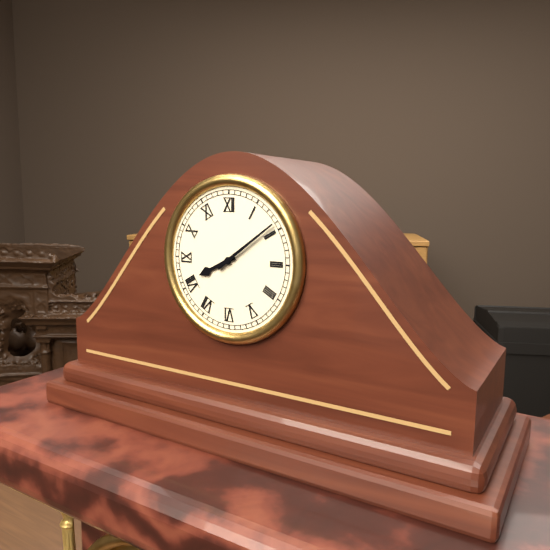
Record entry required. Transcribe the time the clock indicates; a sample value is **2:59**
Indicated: **8:09**
